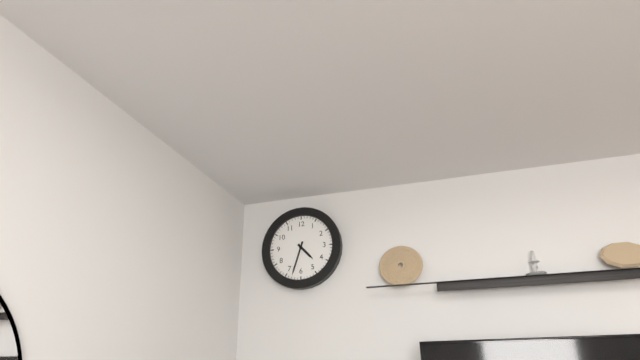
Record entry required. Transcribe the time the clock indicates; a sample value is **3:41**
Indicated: **4:33**
